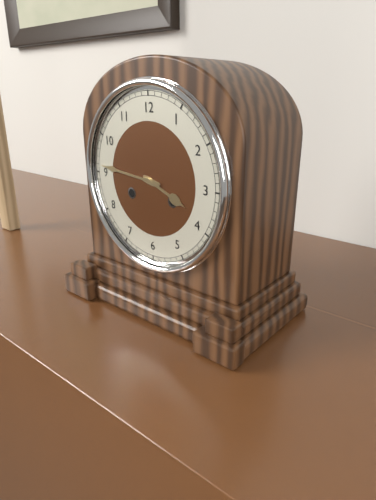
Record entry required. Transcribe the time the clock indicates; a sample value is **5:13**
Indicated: **3:46**
